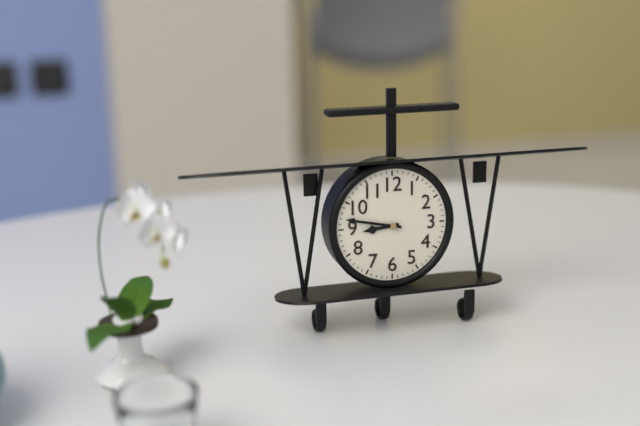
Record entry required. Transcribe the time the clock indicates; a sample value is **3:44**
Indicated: **8:47**
